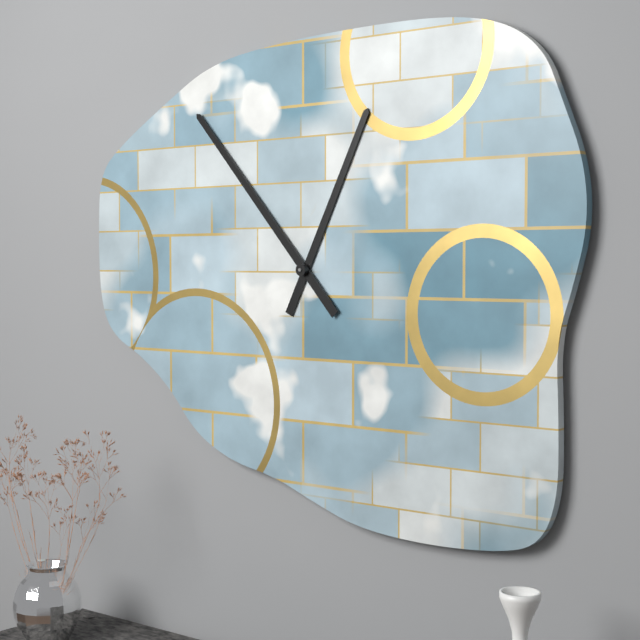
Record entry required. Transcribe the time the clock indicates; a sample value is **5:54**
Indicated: **12:53**
